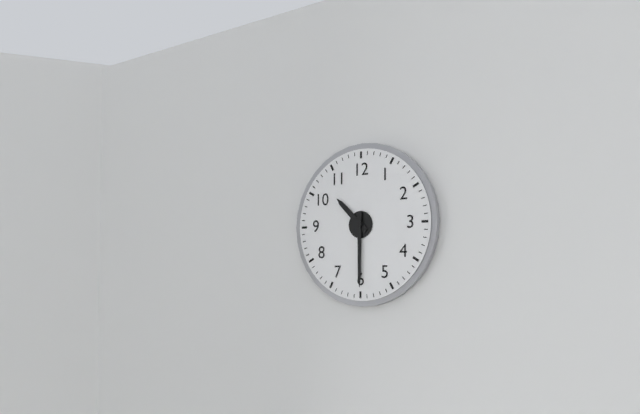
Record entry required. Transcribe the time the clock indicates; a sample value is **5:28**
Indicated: **10:30**
